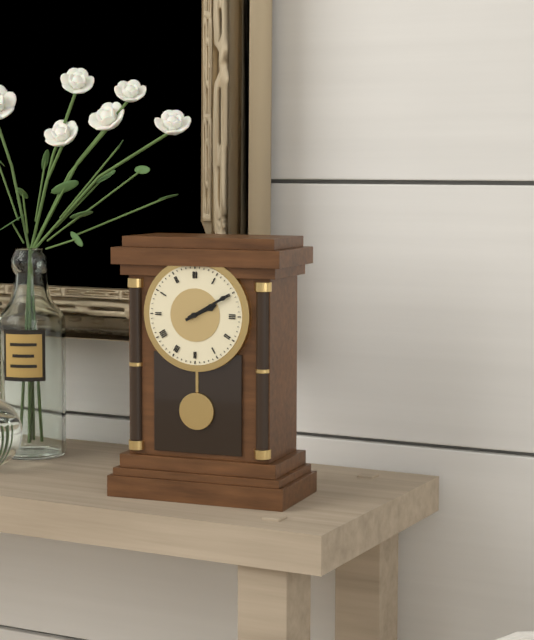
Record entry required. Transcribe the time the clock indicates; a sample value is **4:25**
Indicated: **2:10**
